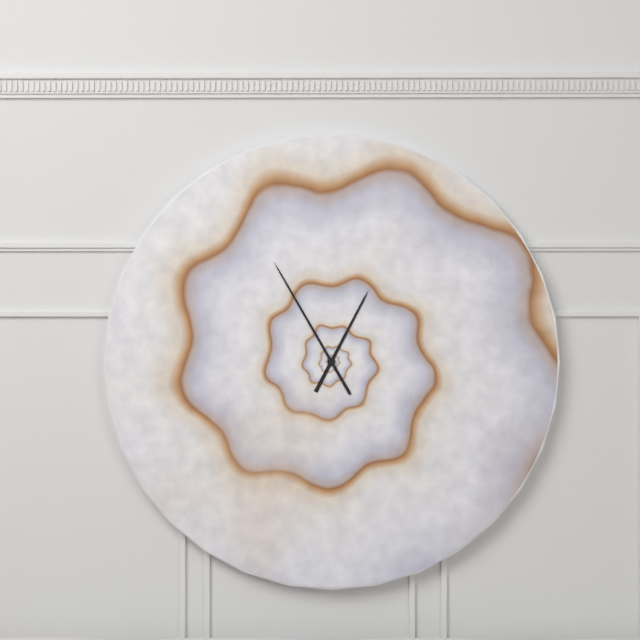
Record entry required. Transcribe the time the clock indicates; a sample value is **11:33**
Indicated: **12:55**
